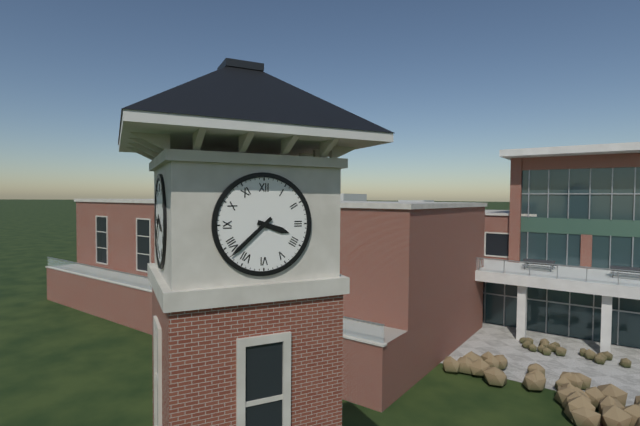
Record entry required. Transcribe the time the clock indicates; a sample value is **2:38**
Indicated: **3:38**
